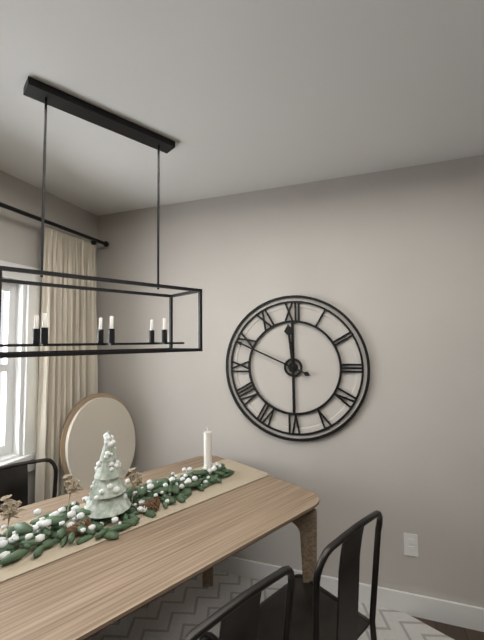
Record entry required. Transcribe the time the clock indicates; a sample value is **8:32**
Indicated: **11:49**
